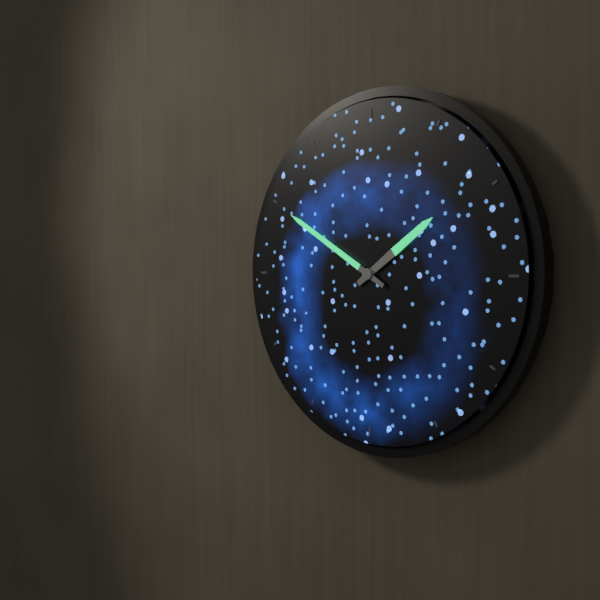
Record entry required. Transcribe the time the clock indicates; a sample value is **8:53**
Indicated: **1:50**
